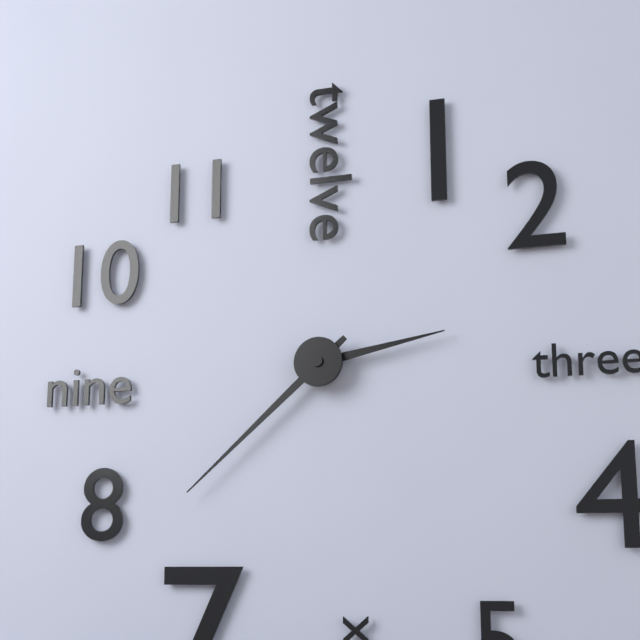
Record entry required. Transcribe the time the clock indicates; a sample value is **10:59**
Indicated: **2:38**
